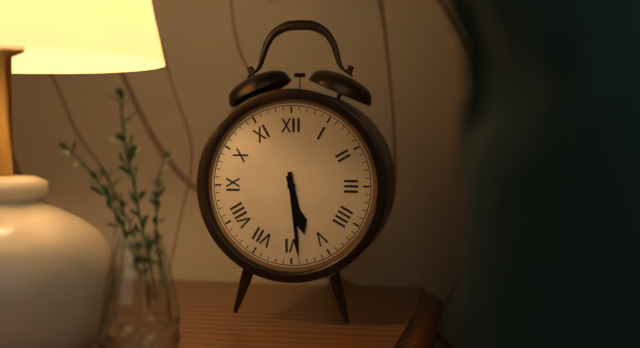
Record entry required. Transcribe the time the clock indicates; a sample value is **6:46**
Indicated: **5:29**
